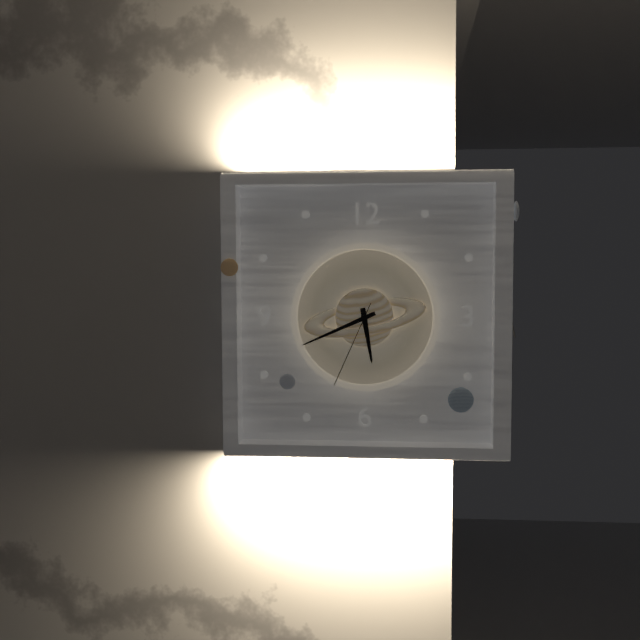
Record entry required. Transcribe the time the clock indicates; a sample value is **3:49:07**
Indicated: **5:41:34**
